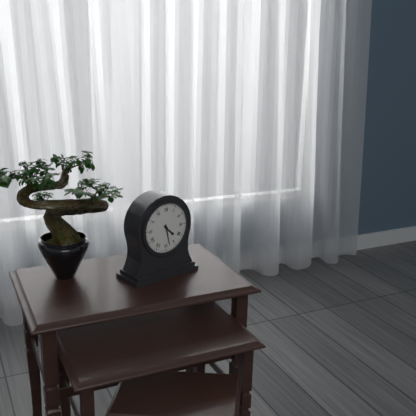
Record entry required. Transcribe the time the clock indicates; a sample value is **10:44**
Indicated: **4:28**
